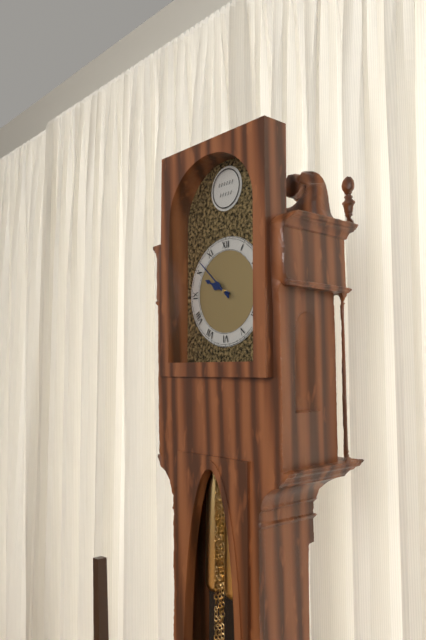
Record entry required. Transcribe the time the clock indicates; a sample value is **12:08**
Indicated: **9:52**
